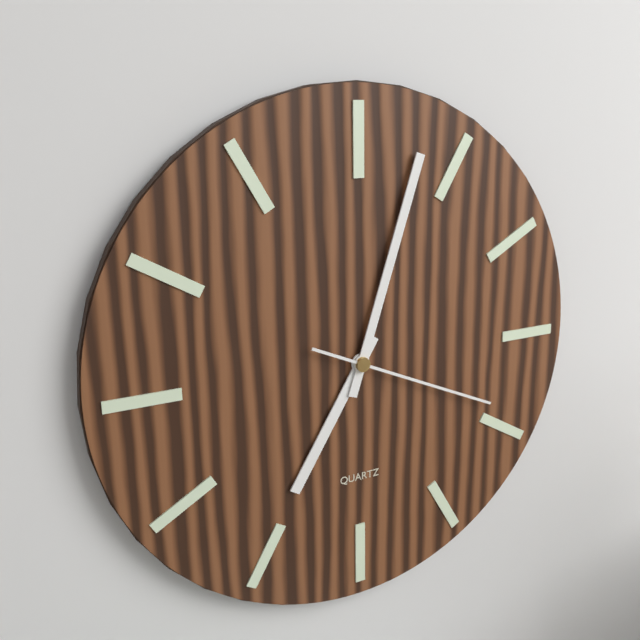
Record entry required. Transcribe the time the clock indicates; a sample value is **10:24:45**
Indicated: **7:03:19**
